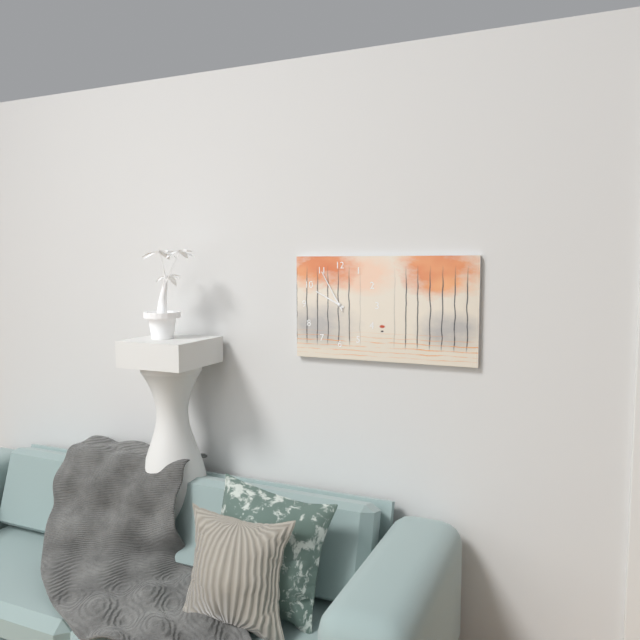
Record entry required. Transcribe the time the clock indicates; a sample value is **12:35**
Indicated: **9:55**
